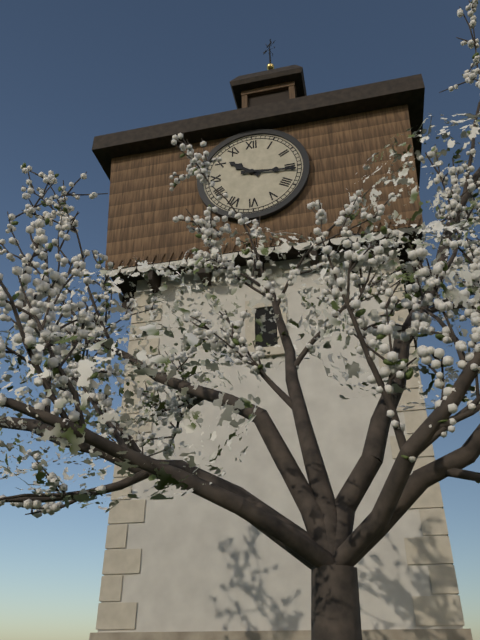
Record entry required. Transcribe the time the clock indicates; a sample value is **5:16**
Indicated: **10:16**
